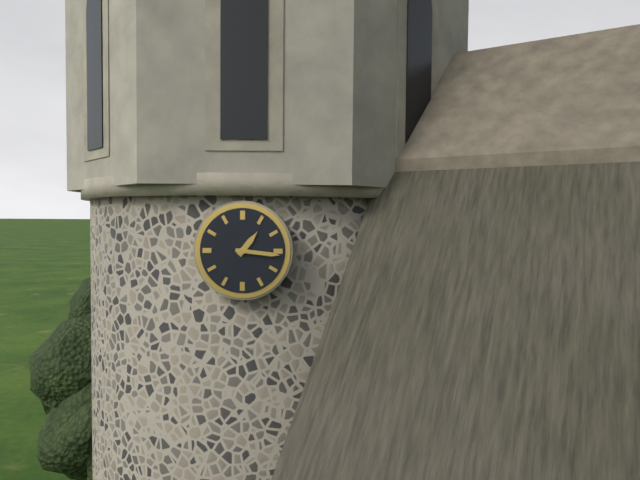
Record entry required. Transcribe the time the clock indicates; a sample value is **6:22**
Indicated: **1:16**
